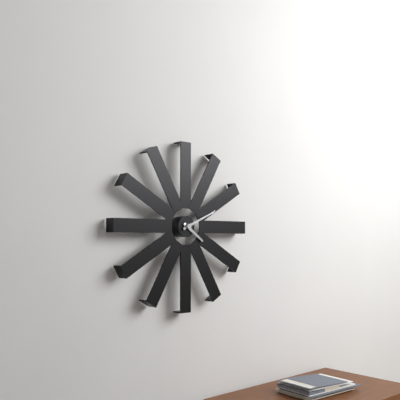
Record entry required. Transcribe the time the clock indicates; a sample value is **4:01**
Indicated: **4:11**
